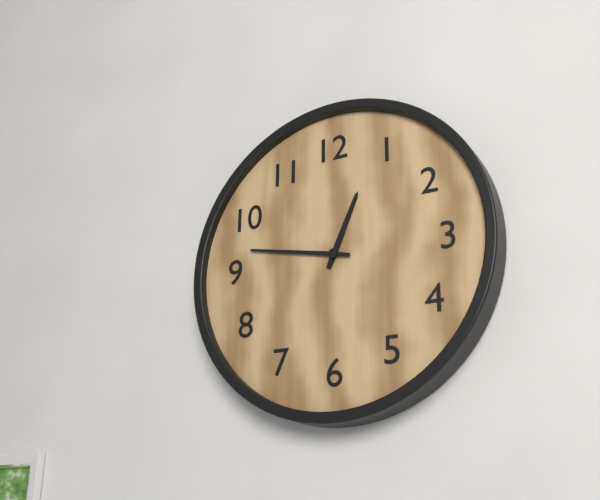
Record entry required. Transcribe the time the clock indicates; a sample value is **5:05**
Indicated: **12:47**
